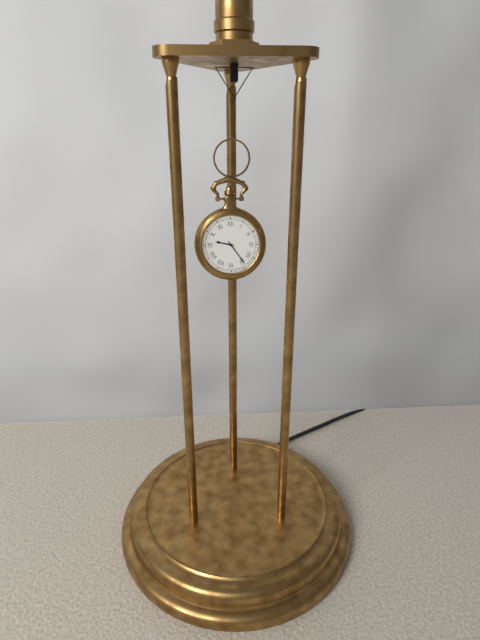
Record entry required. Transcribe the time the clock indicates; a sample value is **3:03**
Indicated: **9:24**
